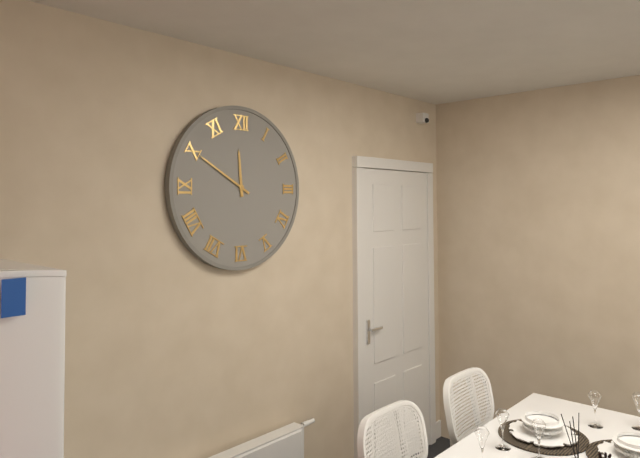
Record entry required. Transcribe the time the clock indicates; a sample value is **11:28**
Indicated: **11:50**
